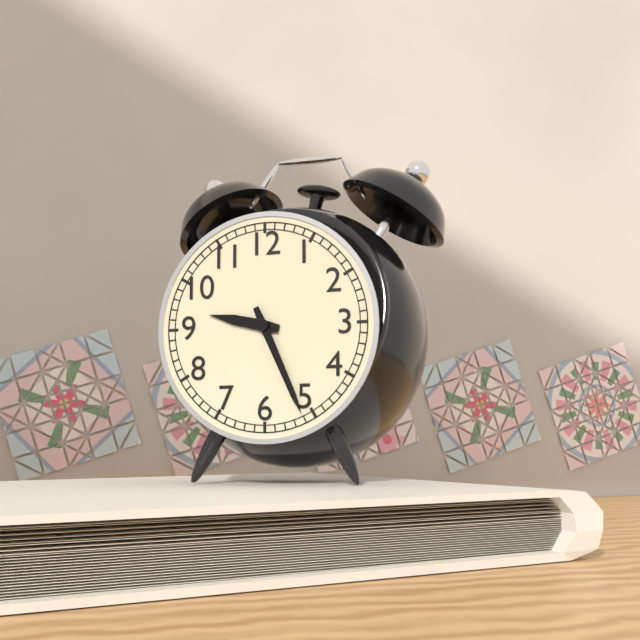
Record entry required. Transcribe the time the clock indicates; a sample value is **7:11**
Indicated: **9:26**
